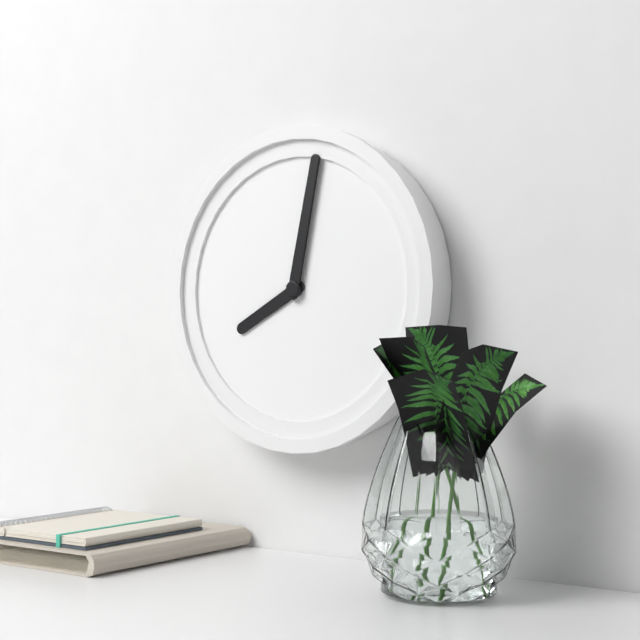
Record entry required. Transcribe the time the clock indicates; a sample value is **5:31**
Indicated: **8:02**
